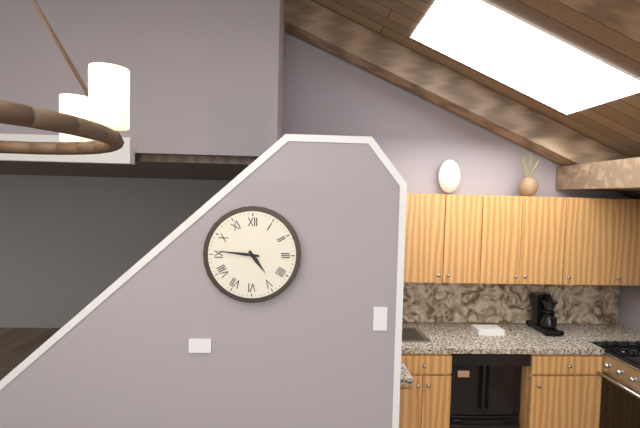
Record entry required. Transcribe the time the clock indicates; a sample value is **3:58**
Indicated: **4:46**
